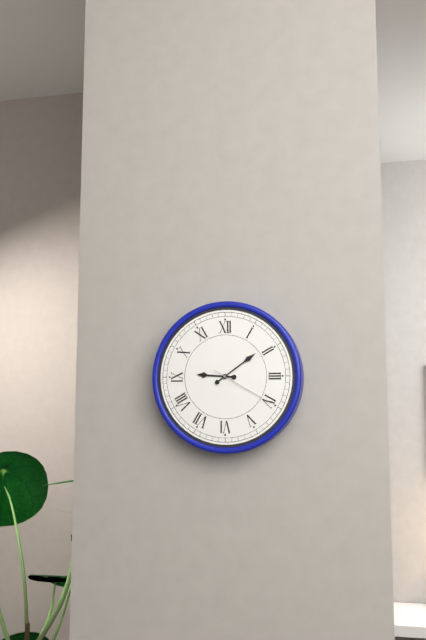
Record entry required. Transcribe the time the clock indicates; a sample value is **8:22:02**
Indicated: **9:09:20**
